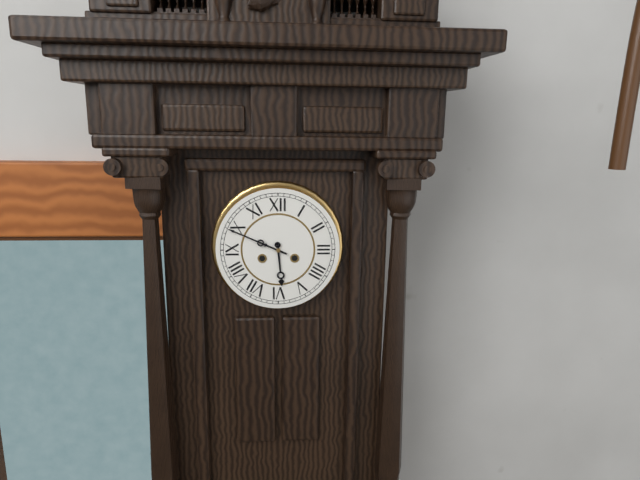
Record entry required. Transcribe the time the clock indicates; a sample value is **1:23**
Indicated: **5:49**
